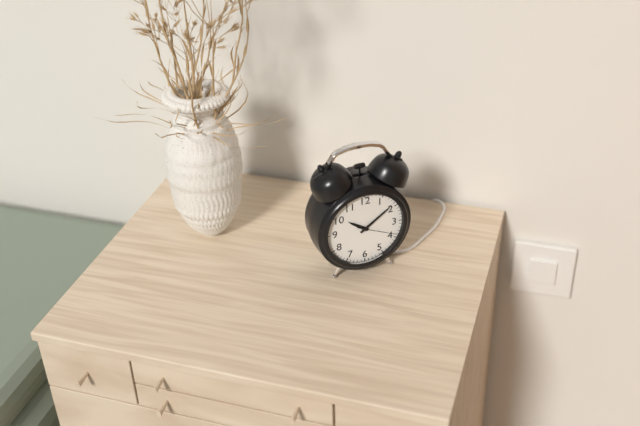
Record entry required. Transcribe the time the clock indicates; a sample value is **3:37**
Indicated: **10:09**
